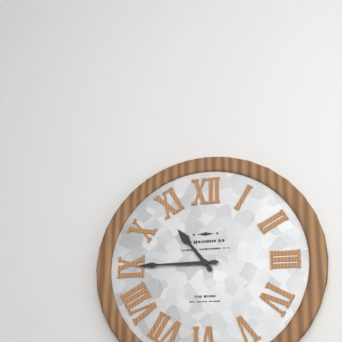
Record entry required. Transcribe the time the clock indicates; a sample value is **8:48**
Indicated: **10:45**
